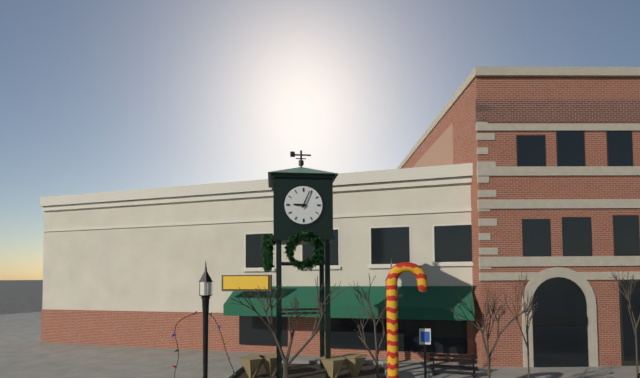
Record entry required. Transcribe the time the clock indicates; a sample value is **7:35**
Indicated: **9:04**
